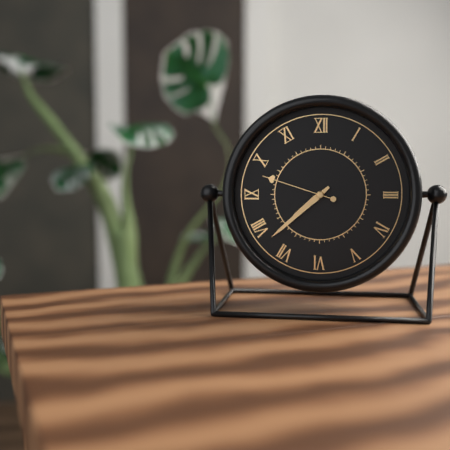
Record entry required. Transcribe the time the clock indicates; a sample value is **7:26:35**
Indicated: **7:38:48**
